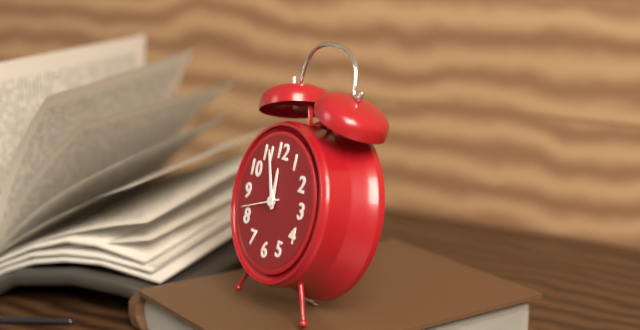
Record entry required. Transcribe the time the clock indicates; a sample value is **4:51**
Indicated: **11:56**
